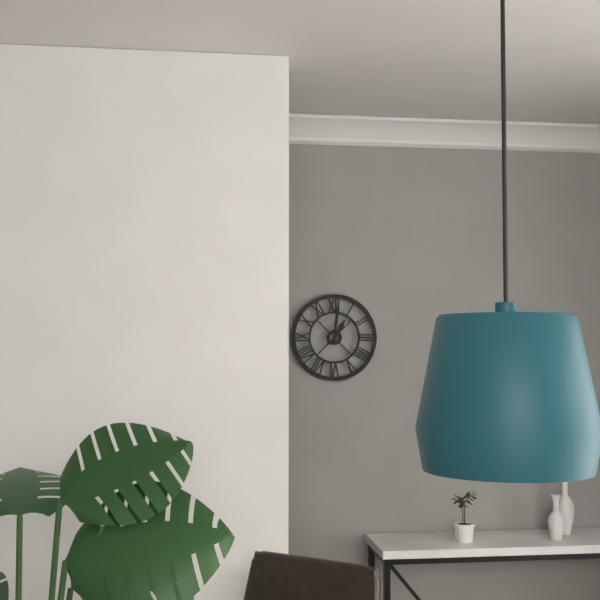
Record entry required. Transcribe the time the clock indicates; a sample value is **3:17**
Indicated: **1:01**
